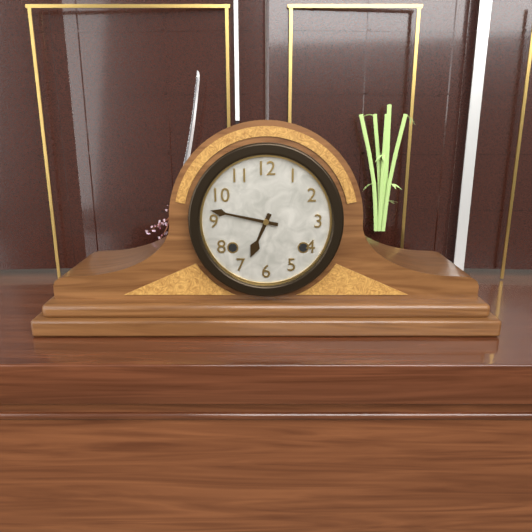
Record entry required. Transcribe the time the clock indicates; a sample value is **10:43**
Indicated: **6:47**
